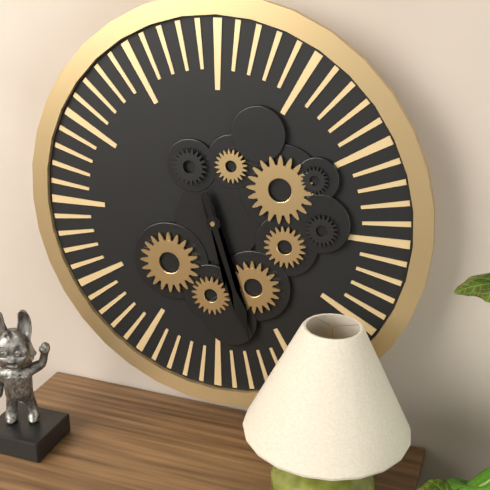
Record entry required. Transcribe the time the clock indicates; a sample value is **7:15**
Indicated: **5:27**
